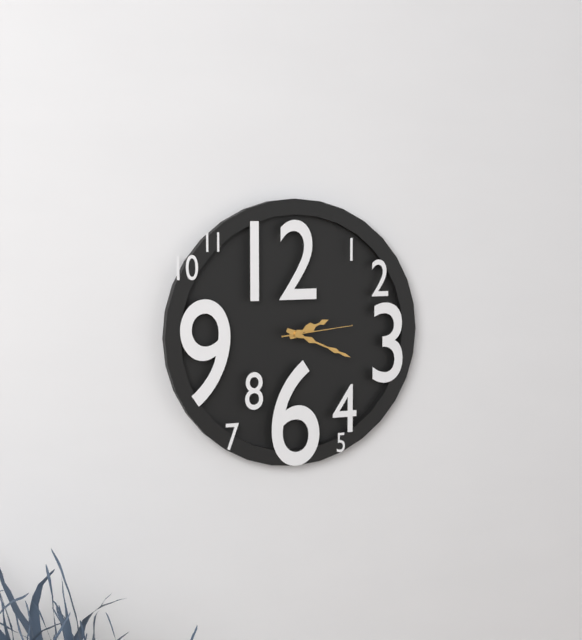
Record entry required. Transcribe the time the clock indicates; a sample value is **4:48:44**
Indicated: **2:19:14**
